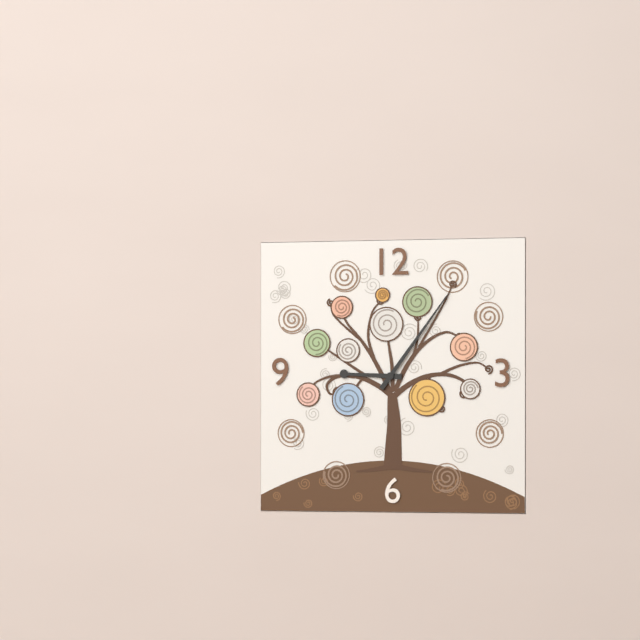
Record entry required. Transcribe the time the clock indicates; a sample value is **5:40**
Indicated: **9:06**
